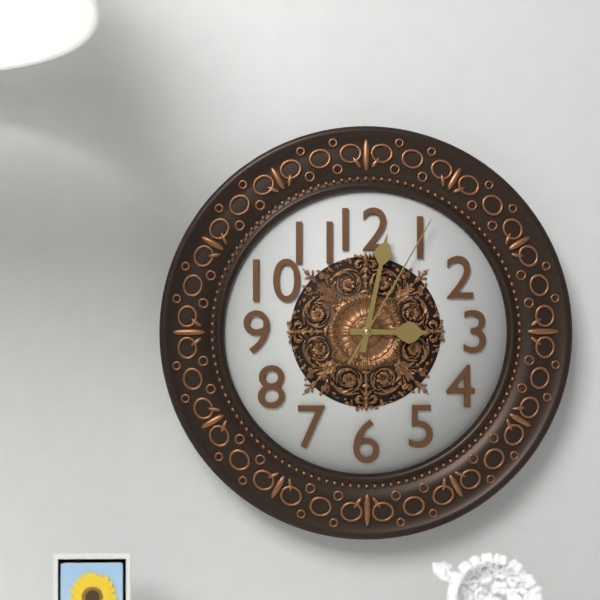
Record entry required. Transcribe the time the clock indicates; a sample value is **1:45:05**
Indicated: **3:02:05**
